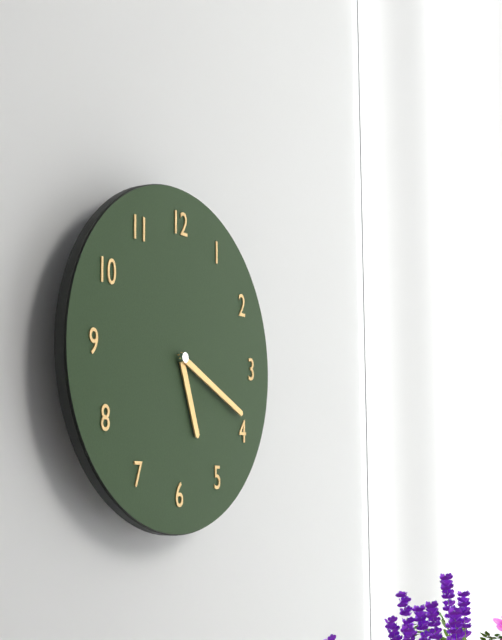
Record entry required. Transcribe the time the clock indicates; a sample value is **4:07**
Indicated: **5:19**
